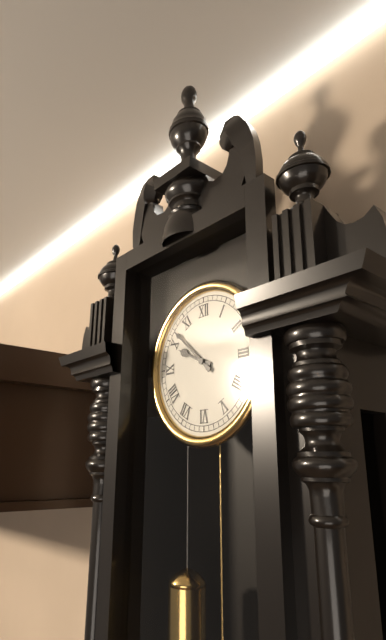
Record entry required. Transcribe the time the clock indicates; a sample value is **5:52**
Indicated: **9:52**
